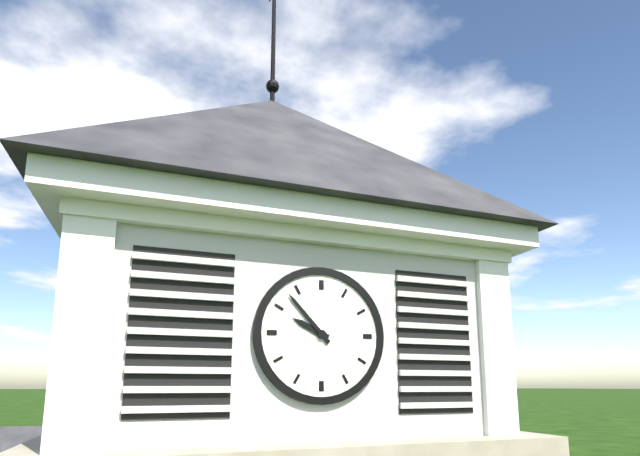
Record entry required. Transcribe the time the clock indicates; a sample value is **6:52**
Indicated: **9:53**
